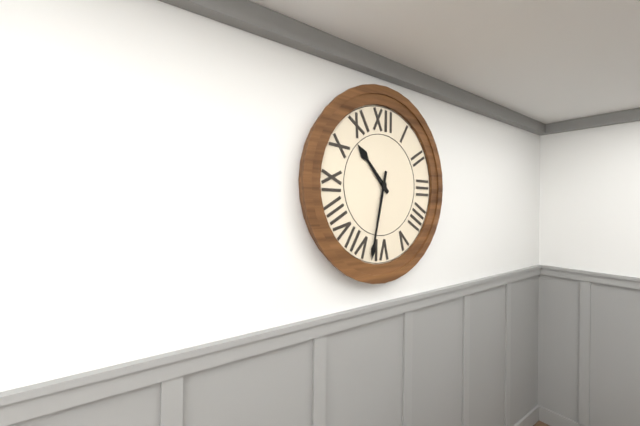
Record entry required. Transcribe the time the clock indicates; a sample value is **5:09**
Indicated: **10:32**
